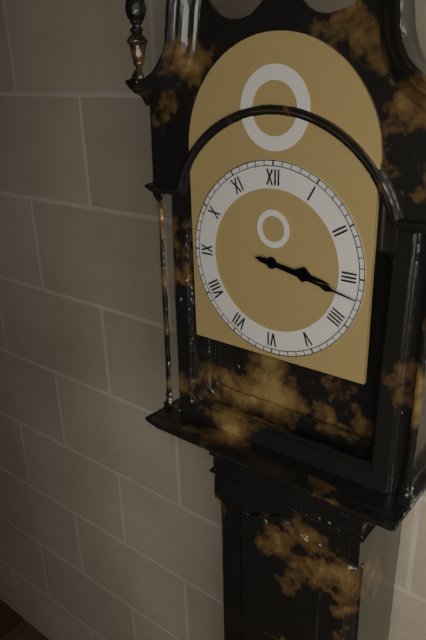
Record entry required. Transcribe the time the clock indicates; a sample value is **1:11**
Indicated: **3:17**
